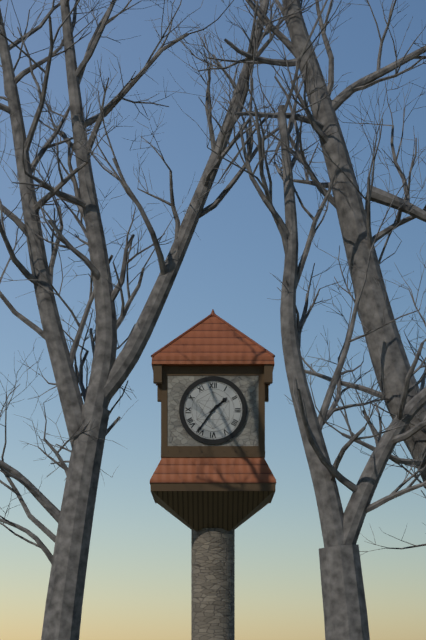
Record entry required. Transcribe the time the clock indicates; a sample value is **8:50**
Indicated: **1:36**
